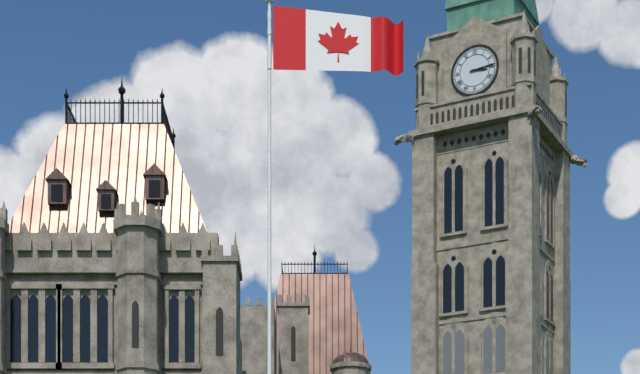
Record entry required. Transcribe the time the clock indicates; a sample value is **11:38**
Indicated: **3:14**
